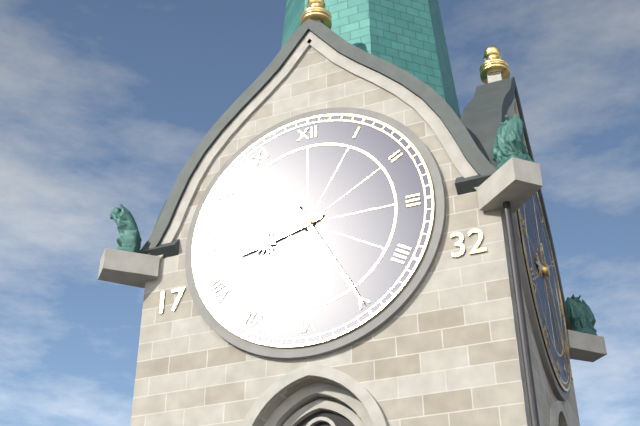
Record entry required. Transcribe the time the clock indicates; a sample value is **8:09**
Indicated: **8:25**
